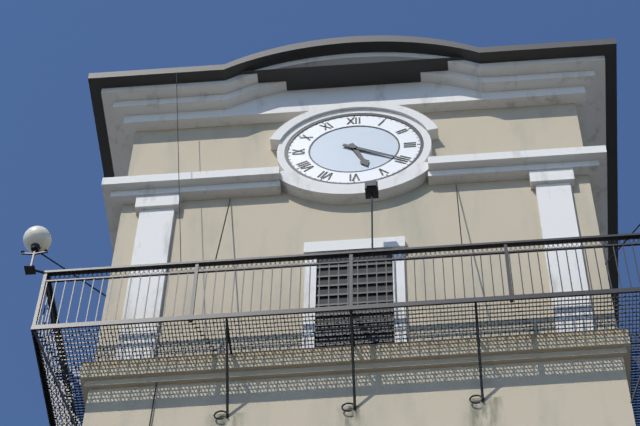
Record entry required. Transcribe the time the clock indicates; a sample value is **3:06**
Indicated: **5:20**
